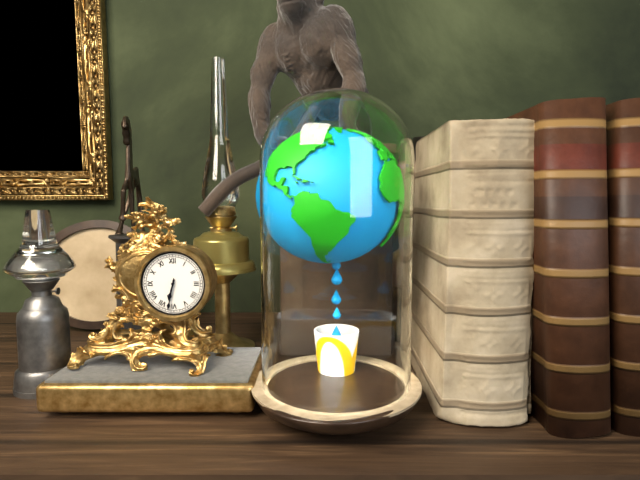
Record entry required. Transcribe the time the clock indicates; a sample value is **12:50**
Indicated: **6:32**
